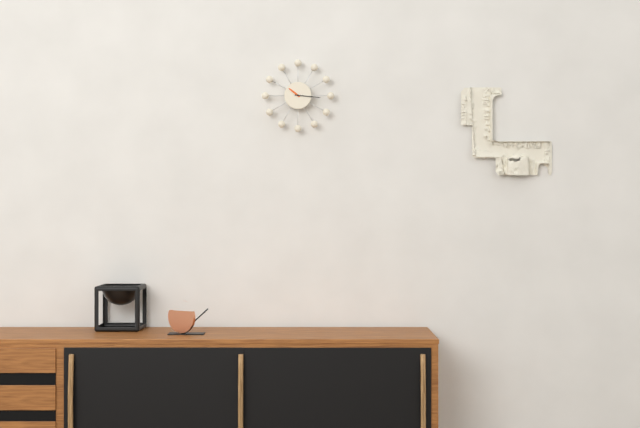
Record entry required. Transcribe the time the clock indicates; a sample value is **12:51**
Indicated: **10:16**
